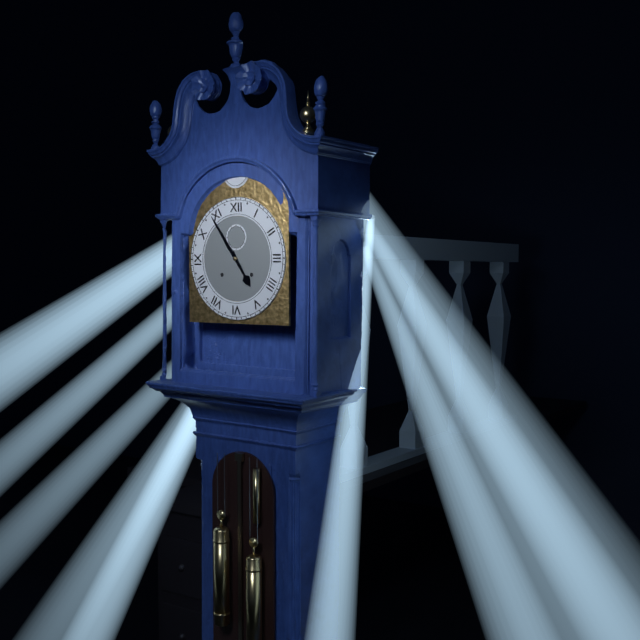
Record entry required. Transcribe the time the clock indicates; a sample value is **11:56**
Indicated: **4:54**
